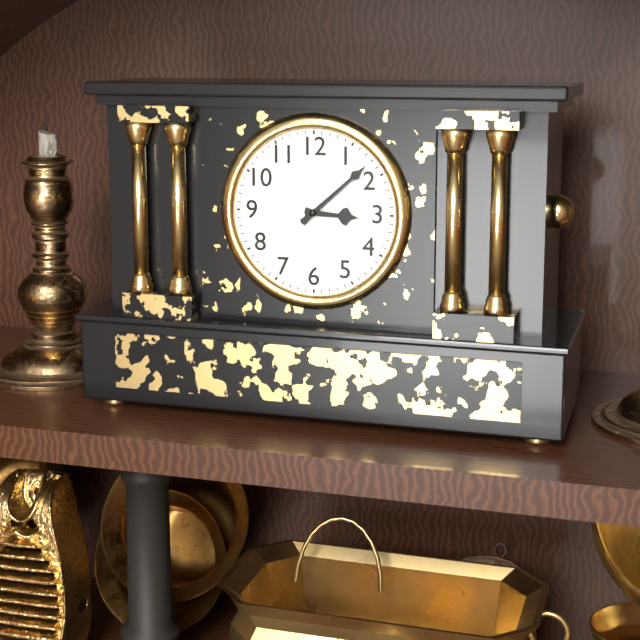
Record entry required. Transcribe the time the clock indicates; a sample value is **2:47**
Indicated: **3:08**
